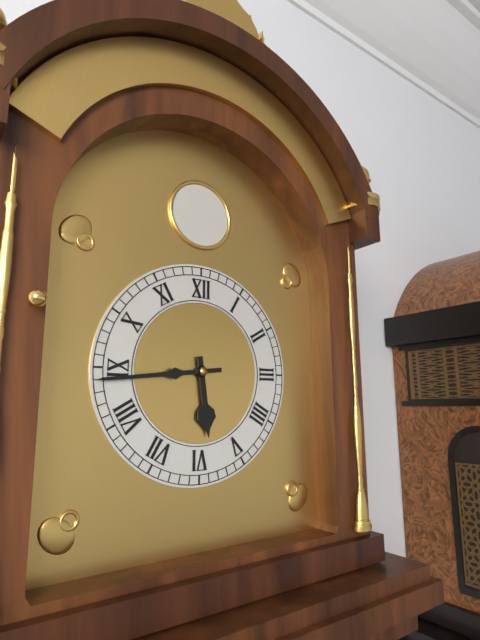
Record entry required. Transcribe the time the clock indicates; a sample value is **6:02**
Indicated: **5:44**
